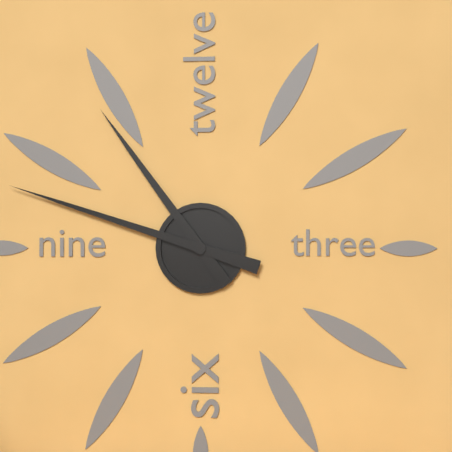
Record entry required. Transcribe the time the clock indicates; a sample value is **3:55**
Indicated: **10:48**
